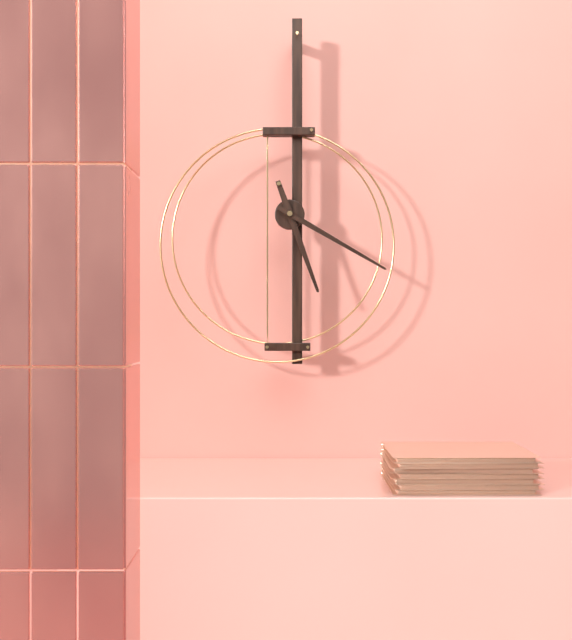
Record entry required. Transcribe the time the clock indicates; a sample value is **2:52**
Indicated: **5:20**
